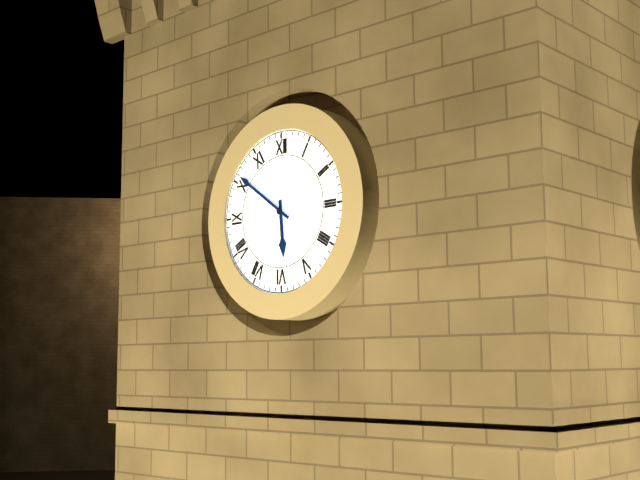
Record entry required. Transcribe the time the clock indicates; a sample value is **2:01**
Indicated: **5:51**
